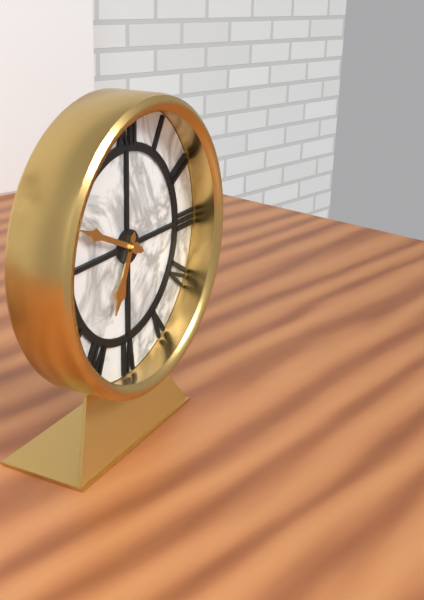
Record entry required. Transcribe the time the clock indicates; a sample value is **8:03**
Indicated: **6:49**
